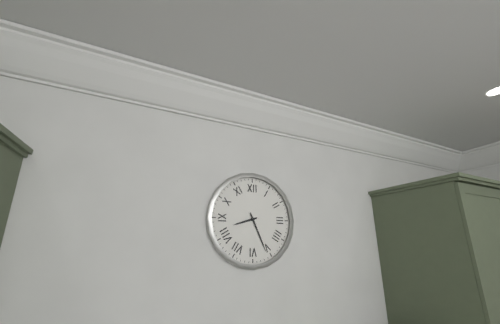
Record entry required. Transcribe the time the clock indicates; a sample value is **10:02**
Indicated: **8:26**
